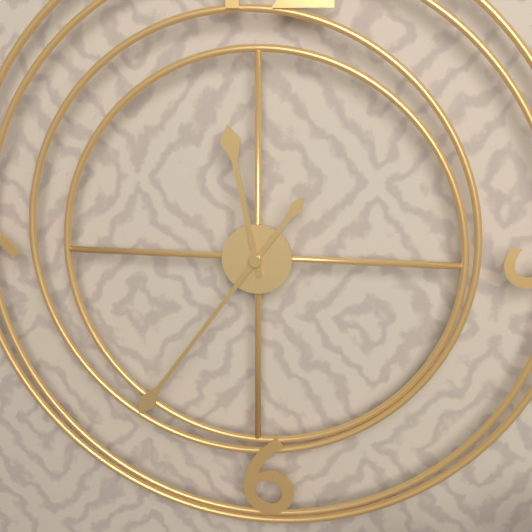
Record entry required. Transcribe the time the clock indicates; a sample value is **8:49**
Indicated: **11:36**
